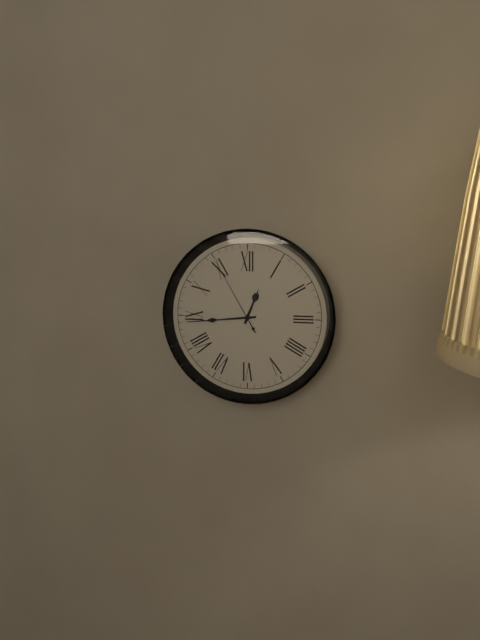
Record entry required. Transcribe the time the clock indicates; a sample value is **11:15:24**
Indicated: **12:44:55**
